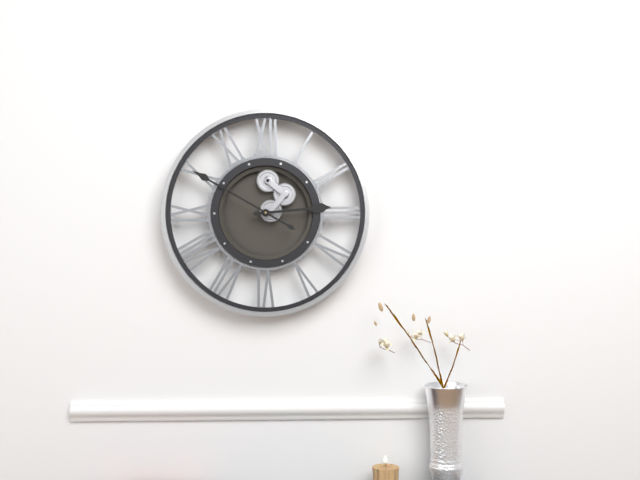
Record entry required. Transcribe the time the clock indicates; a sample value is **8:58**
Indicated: **2:50**
